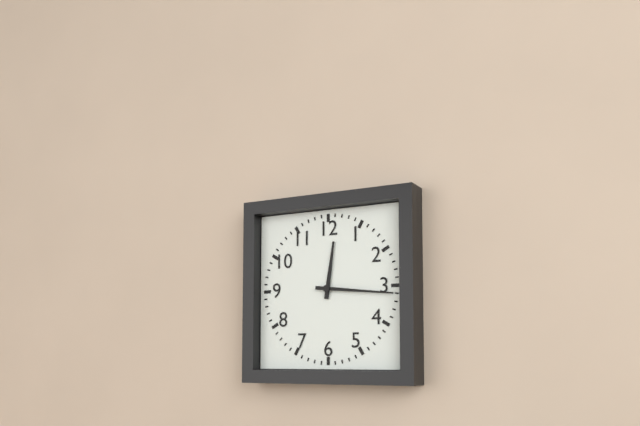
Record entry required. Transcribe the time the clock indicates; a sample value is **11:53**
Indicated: **12:16**
